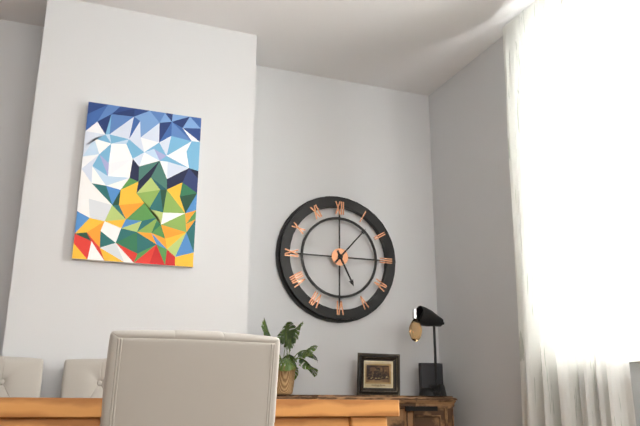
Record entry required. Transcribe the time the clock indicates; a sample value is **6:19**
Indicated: **5:07**
